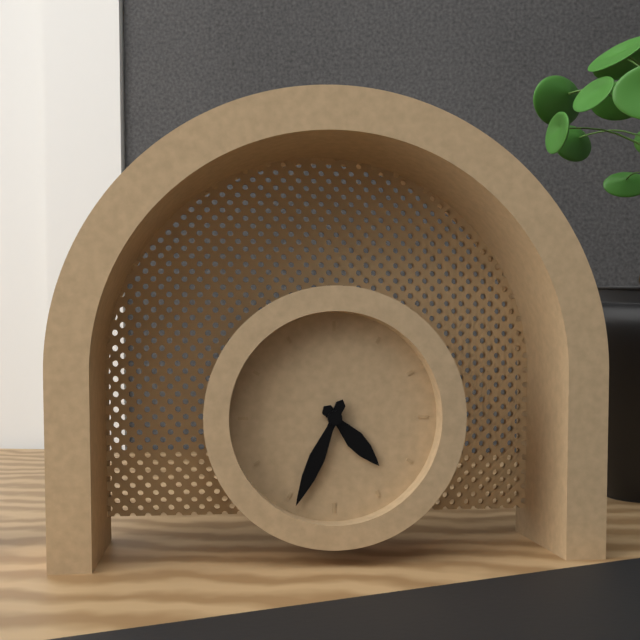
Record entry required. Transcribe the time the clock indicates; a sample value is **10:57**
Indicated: **4:34**
